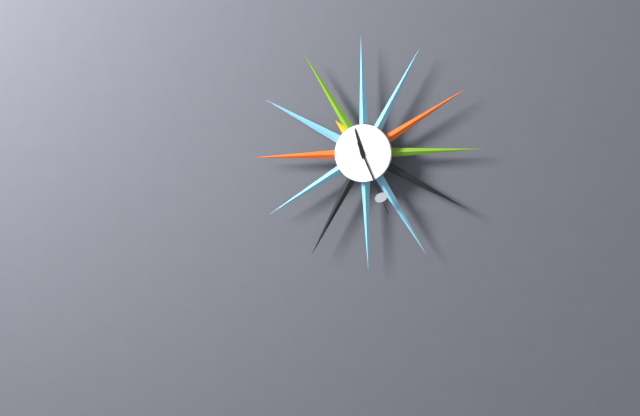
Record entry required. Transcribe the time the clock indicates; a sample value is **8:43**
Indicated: **11:26**
